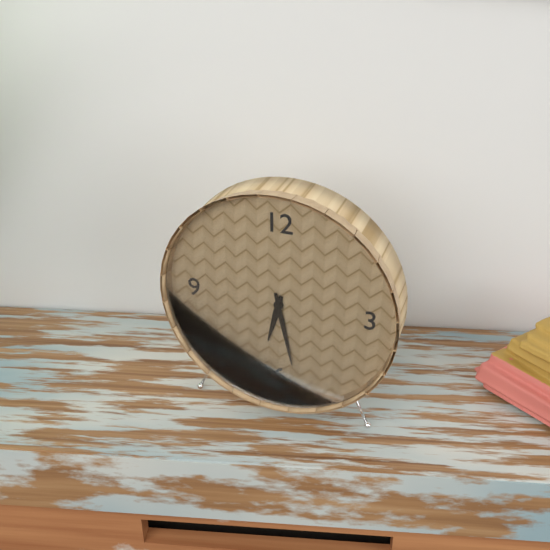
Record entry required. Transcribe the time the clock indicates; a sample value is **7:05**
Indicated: **6:28**
